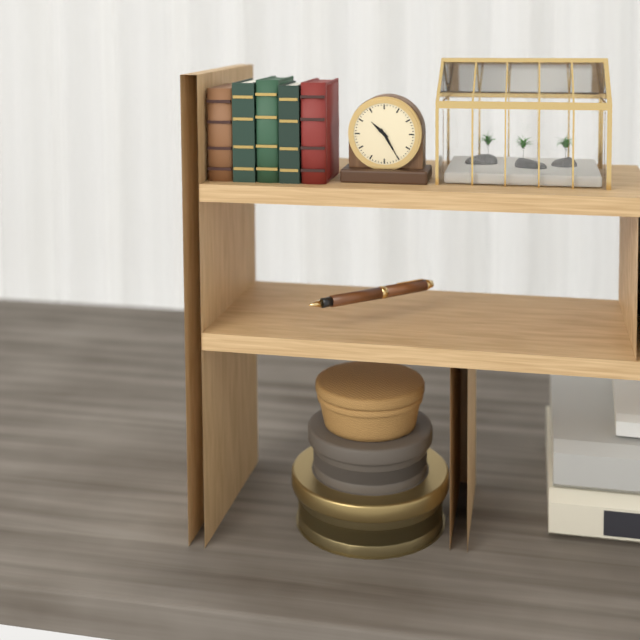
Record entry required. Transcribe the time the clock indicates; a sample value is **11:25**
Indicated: **10:25**
